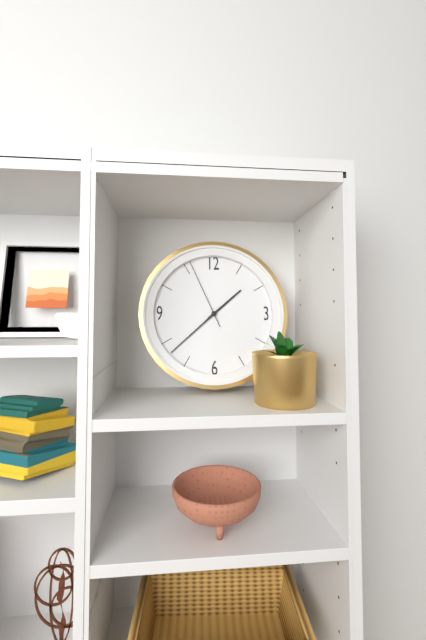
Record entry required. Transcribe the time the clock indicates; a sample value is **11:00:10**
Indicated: **1:38:56**
